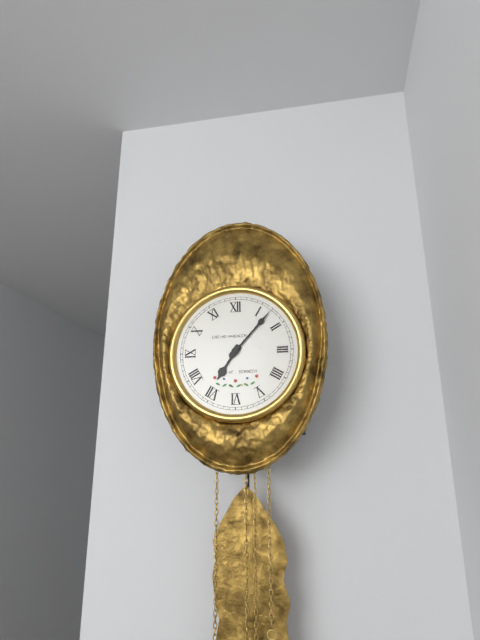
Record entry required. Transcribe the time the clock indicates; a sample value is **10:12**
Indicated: **7:07**
